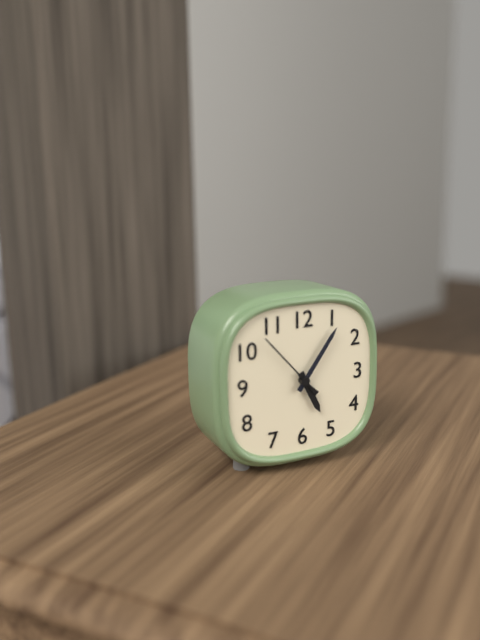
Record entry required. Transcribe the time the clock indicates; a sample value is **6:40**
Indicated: **5:06**
